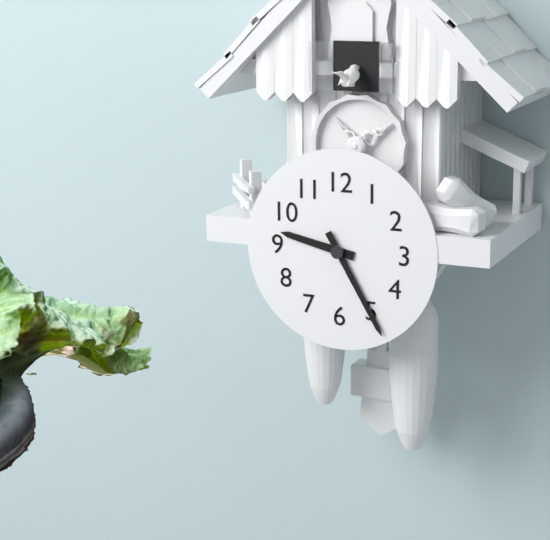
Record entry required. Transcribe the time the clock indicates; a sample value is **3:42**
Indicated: **9:25**
